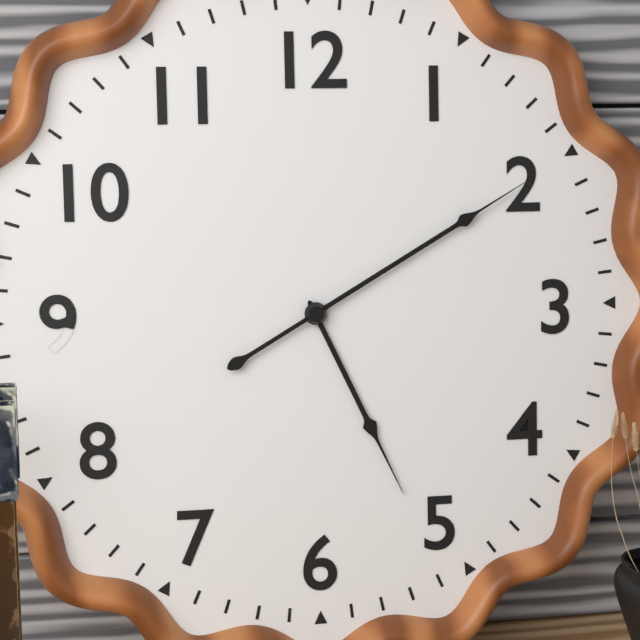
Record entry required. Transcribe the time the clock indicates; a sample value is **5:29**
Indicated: **5:10**
